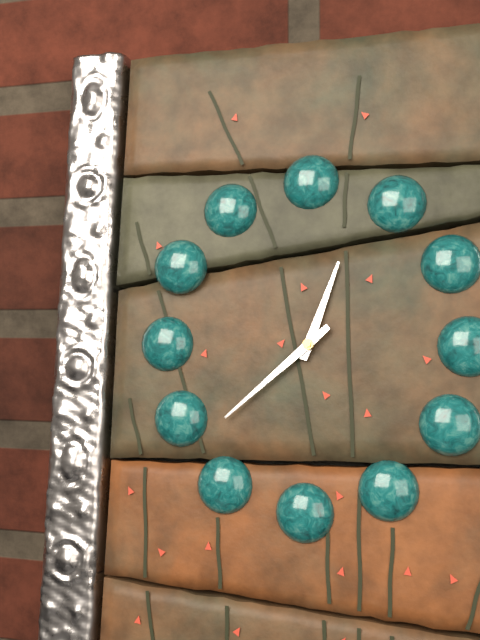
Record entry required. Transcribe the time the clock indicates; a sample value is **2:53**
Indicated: **12:38**
